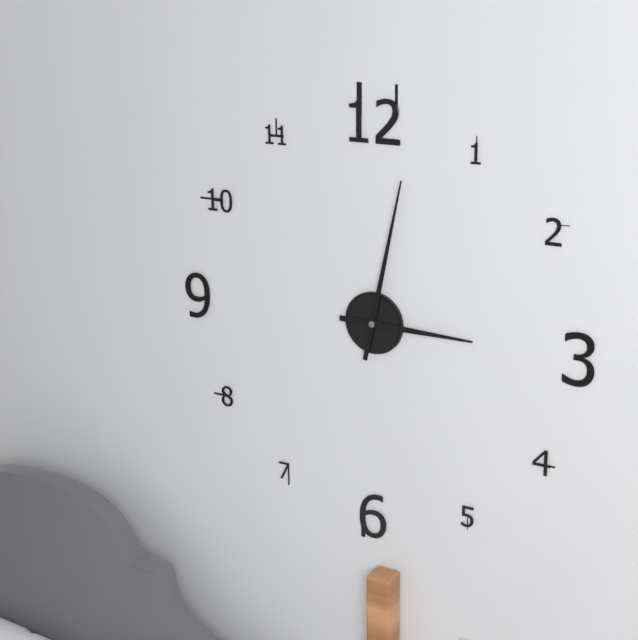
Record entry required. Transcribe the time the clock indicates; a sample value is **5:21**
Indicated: **3:02**
